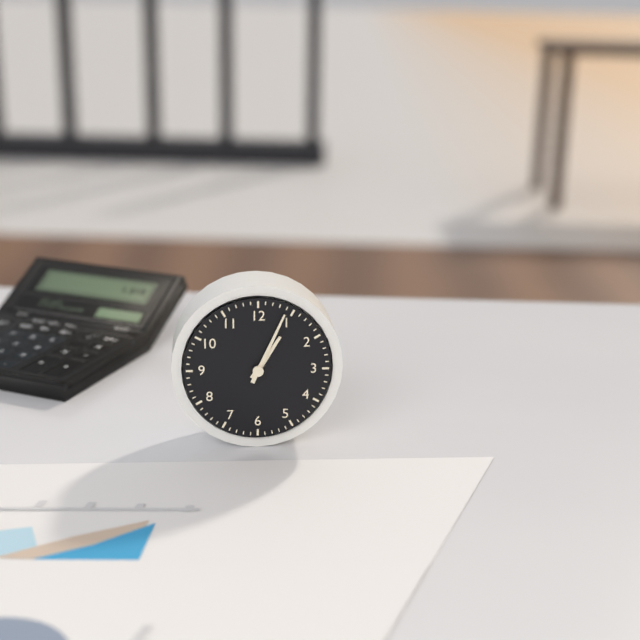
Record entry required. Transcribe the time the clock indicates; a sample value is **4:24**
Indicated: **1:04**
